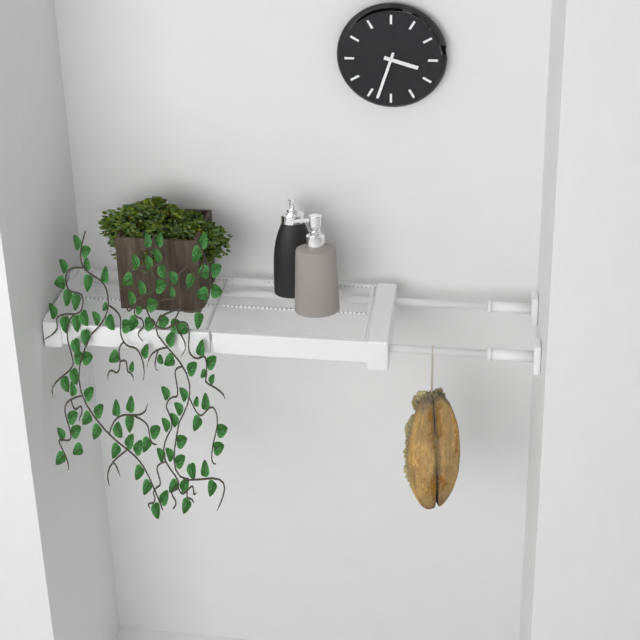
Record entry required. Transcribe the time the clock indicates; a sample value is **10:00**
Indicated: **3:33**
